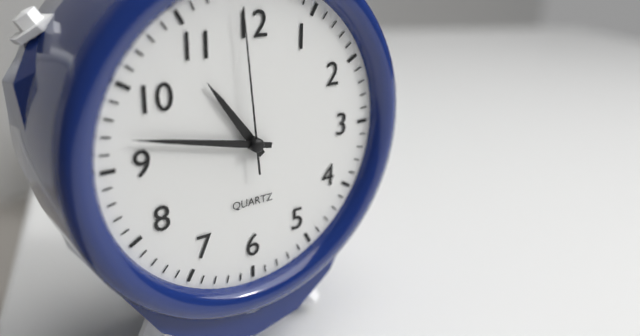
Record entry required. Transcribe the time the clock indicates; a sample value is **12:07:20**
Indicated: **10:47:59**
